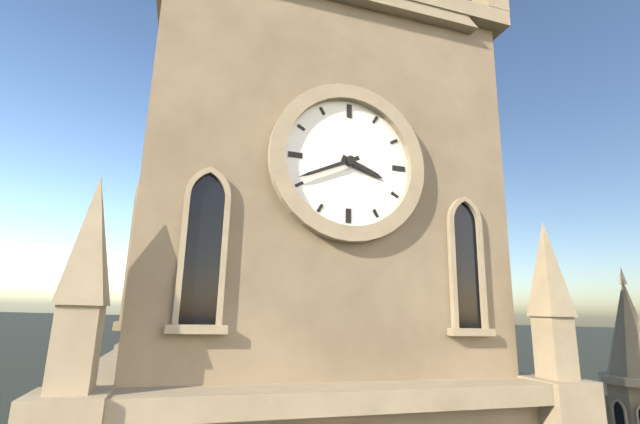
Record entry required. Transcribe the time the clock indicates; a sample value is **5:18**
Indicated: **3:41**
